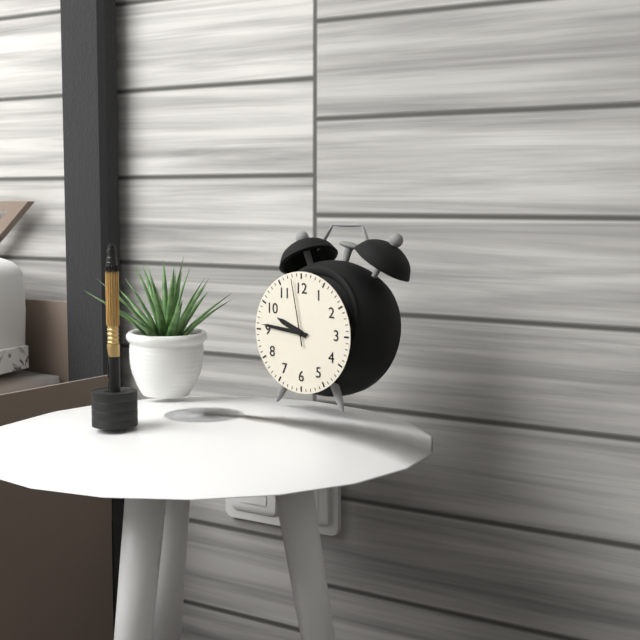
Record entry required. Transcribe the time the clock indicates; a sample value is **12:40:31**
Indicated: **9:46:58**
